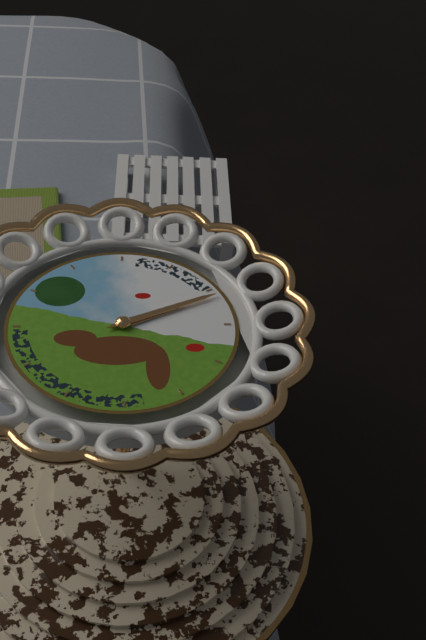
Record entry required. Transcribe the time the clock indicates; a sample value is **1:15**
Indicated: **2:11**
